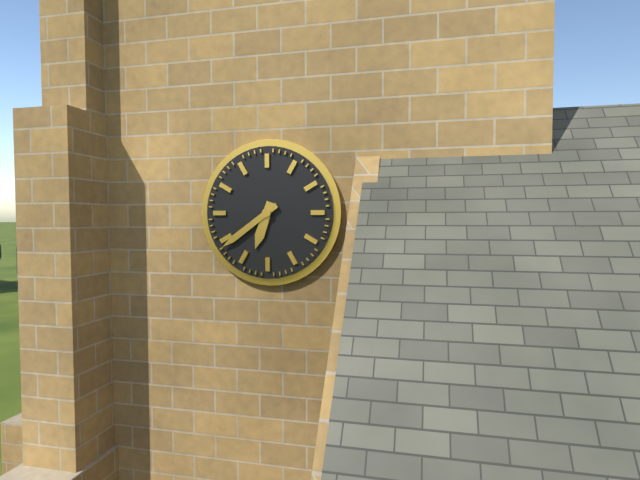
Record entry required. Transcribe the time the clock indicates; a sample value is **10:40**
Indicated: **6:39**
